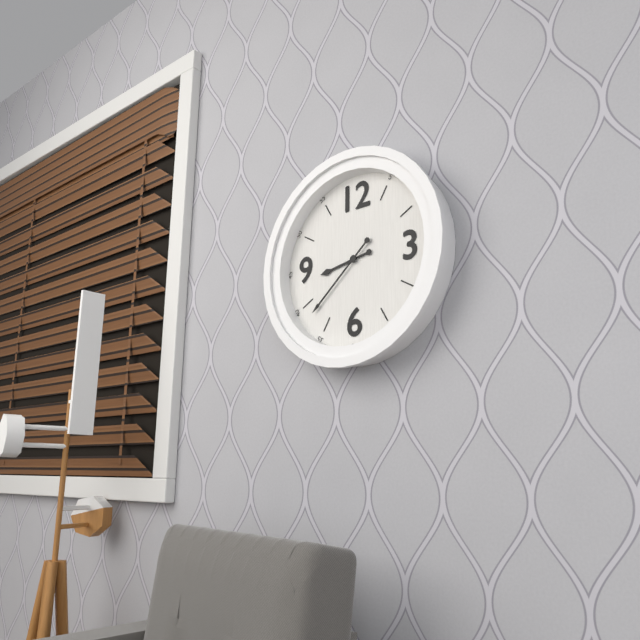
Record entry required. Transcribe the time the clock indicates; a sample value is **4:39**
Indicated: **8:38**
